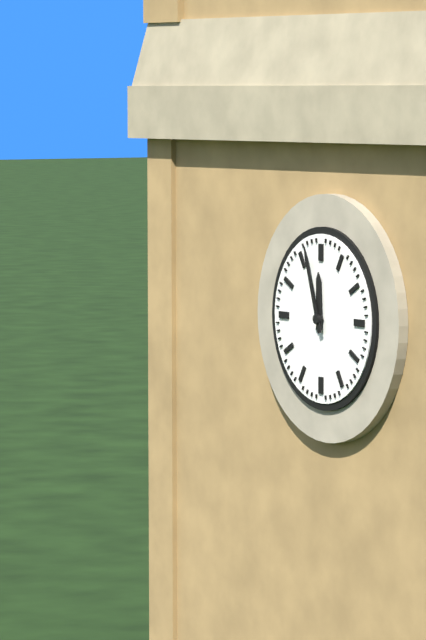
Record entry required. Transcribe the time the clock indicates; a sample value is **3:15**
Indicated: **11:57**
